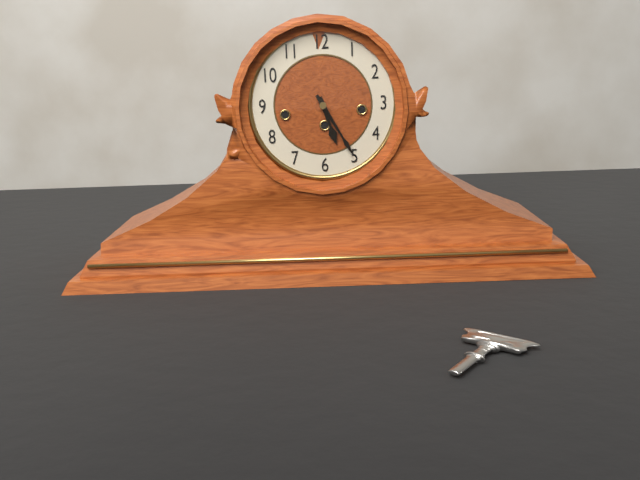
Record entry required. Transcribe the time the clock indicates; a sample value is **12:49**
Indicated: **5:25**
